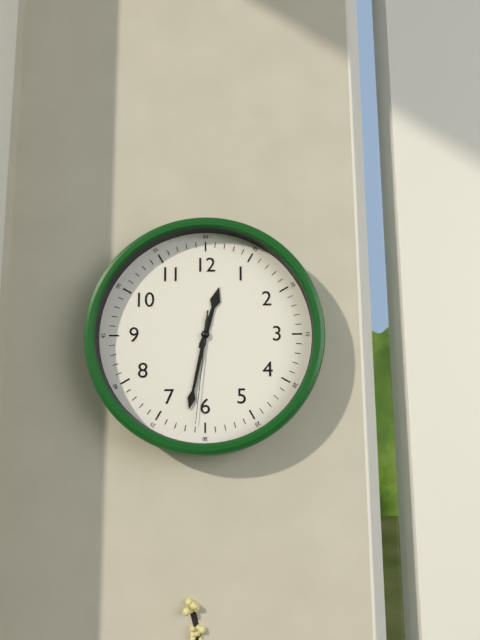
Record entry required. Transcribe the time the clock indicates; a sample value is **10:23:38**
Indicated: **12:32:31**
